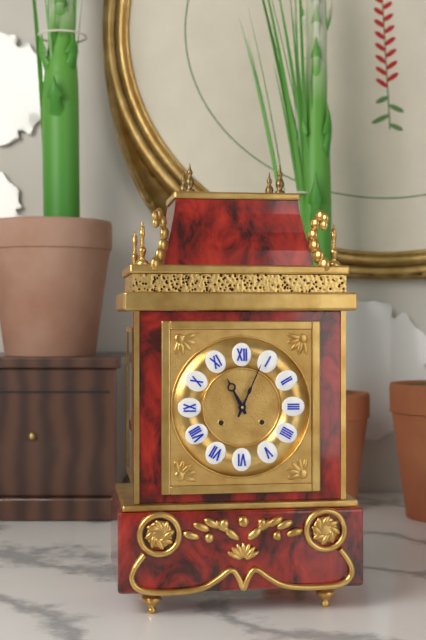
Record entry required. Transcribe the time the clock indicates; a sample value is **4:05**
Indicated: **11:04**
